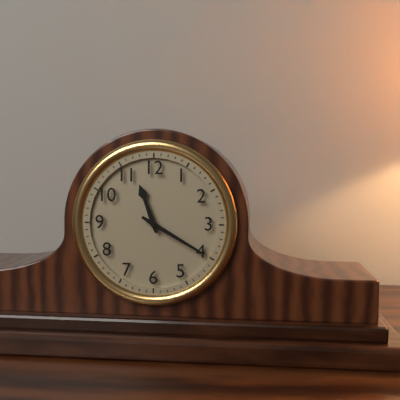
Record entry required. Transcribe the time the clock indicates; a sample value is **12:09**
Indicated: **11:20**
